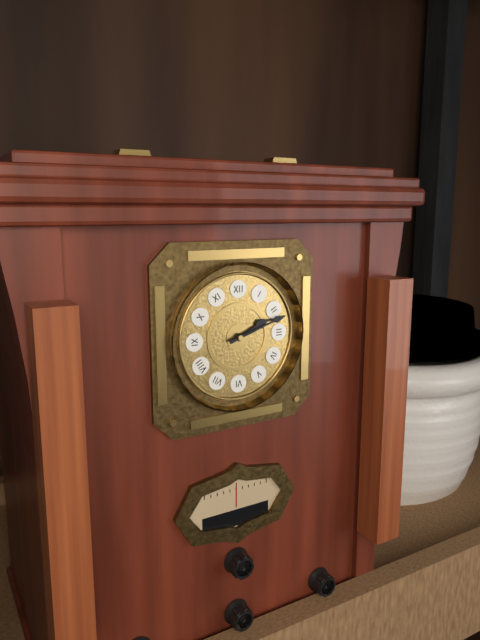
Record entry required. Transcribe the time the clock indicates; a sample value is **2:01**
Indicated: **2:12**
